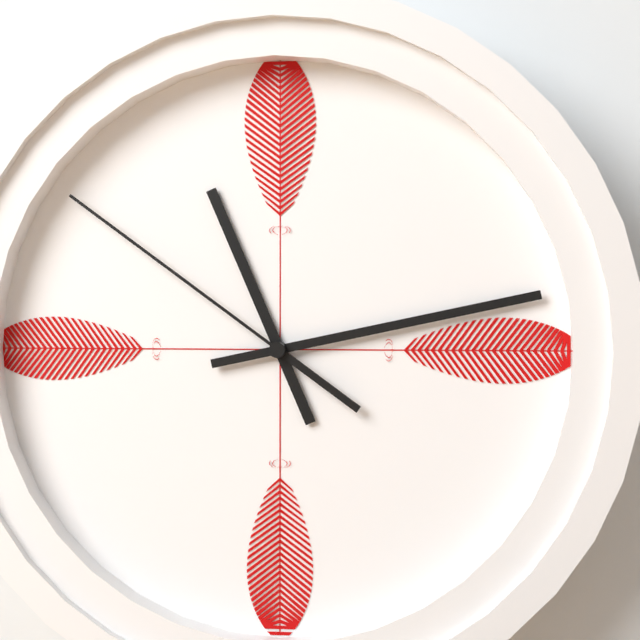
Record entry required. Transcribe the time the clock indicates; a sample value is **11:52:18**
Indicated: **11:13:51**
